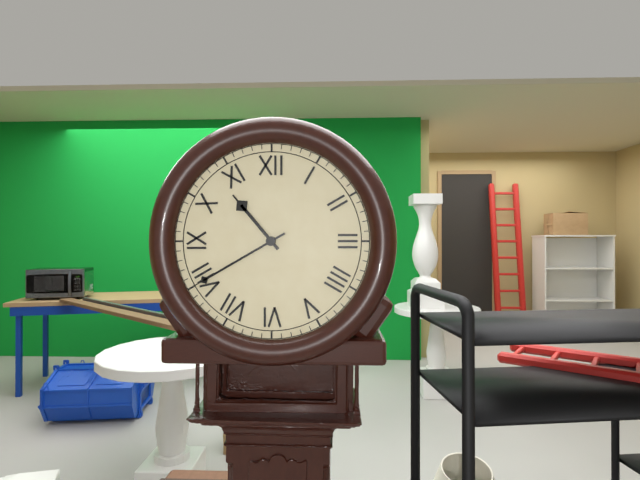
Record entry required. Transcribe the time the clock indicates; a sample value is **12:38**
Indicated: **10:40**
